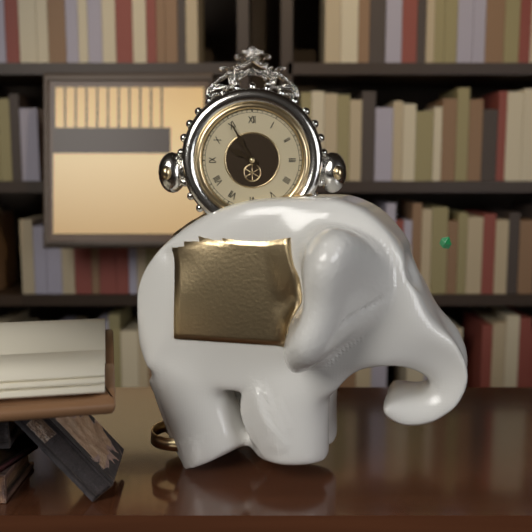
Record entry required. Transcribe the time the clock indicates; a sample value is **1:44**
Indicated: **9:55**
